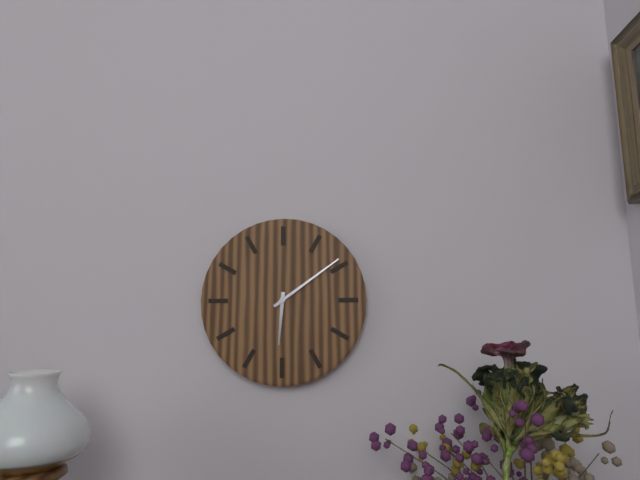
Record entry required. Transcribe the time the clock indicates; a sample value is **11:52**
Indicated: **6:09**
